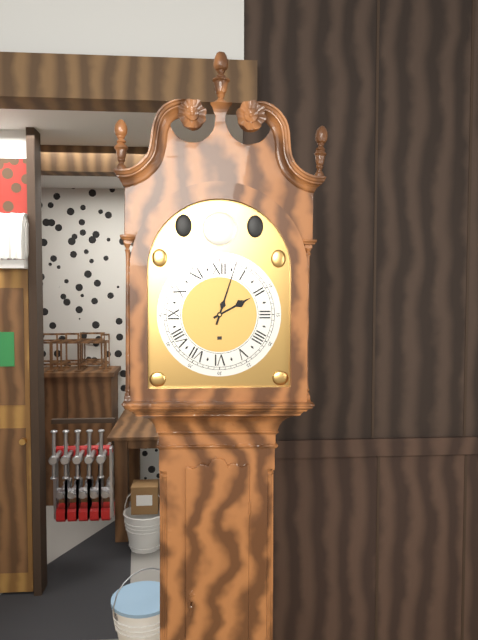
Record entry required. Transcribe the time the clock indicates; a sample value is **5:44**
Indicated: **2:03**
